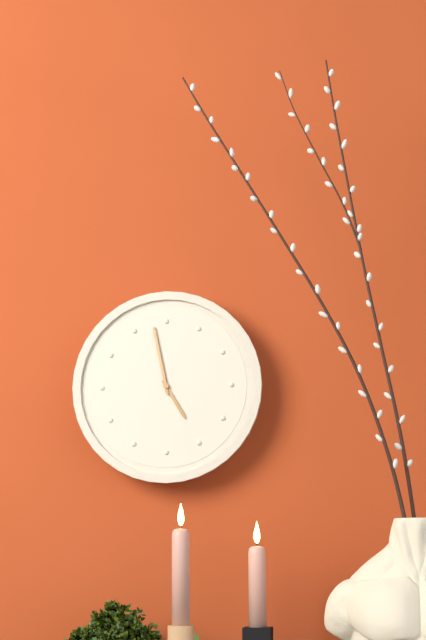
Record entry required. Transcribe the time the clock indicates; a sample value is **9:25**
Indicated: **4:58**
